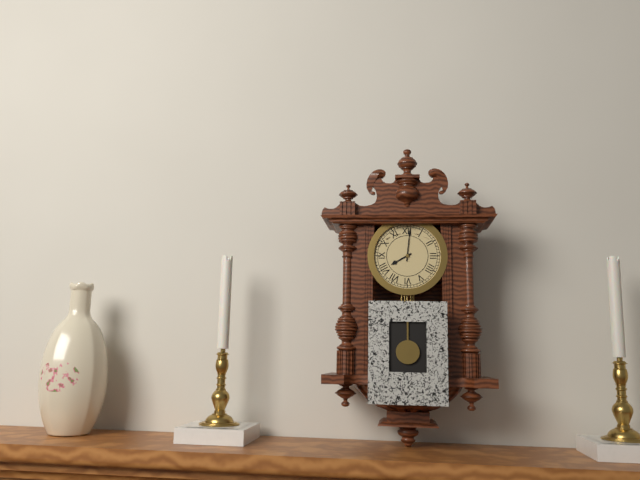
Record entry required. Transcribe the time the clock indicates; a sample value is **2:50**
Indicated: **8:01**
